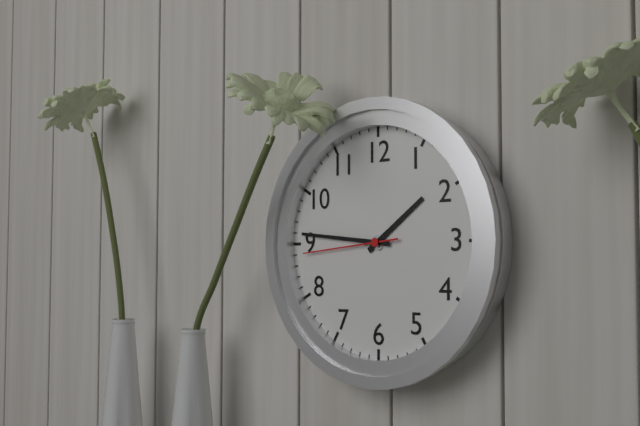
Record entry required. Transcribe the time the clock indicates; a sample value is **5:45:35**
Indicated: **1:46:44**
